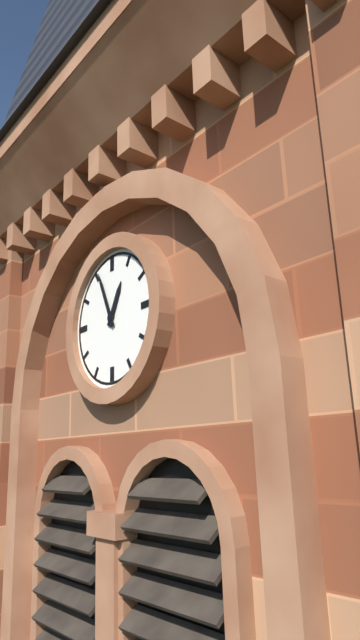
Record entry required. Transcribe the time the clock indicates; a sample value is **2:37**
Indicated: **12:56**
